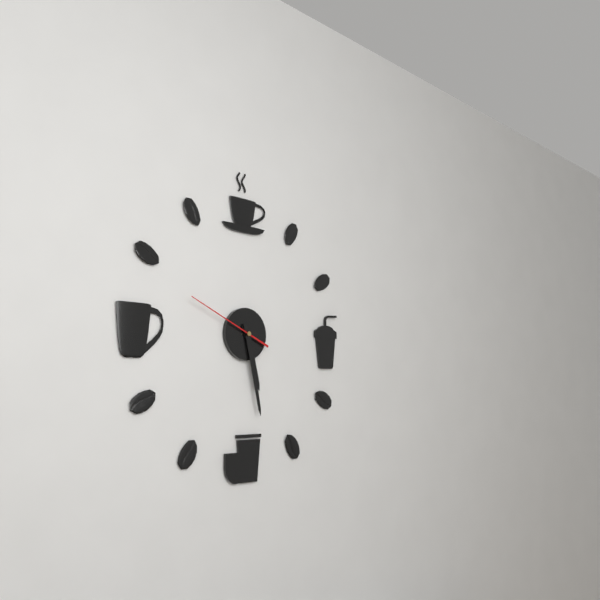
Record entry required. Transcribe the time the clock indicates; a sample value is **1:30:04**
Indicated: **5:28:49**
